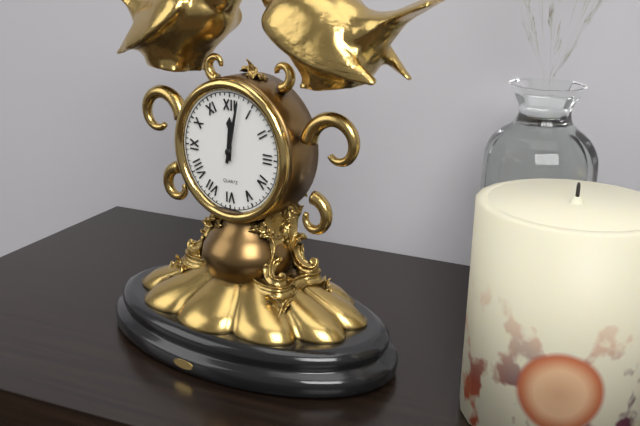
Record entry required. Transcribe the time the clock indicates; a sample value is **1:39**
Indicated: **12:02**
